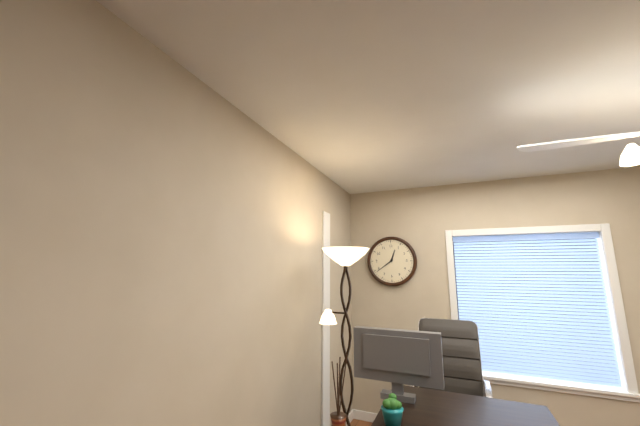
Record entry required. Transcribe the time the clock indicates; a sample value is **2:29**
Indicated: **12:39**
